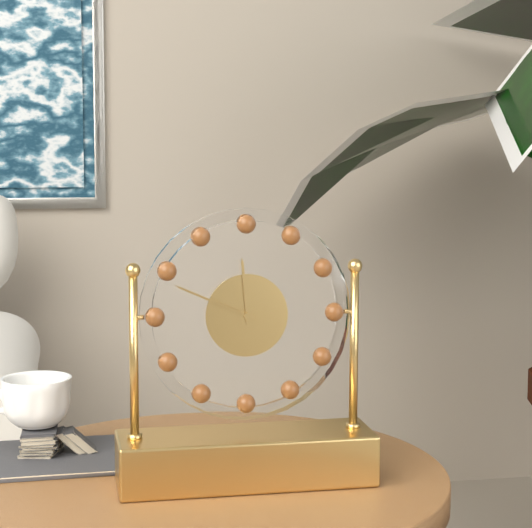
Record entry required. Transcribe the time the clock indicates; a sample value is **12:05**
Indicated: **11:49**
